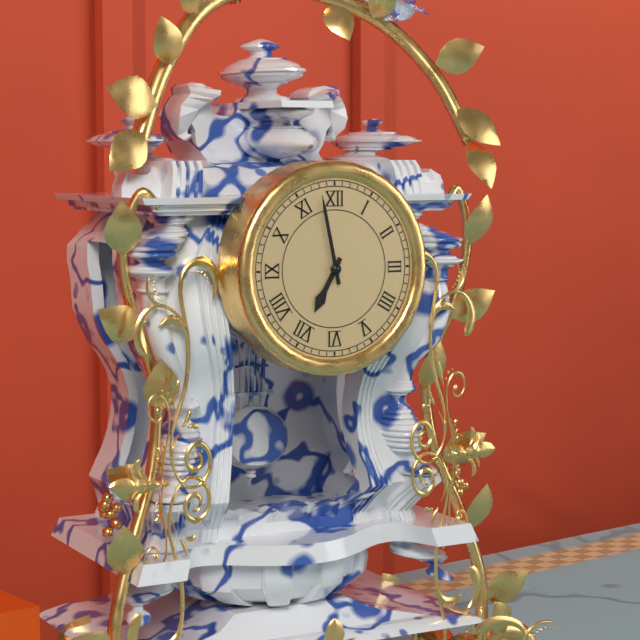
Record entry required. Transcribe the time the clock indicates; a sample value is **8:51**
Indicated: **6:58**
